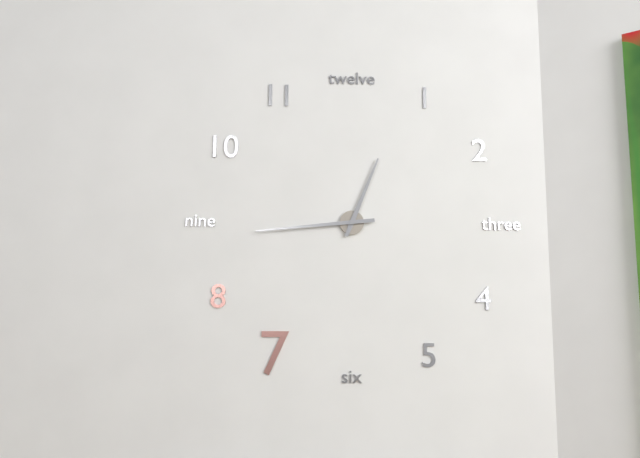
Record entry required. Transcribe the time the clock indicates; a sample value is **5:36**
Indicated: **12:44**
